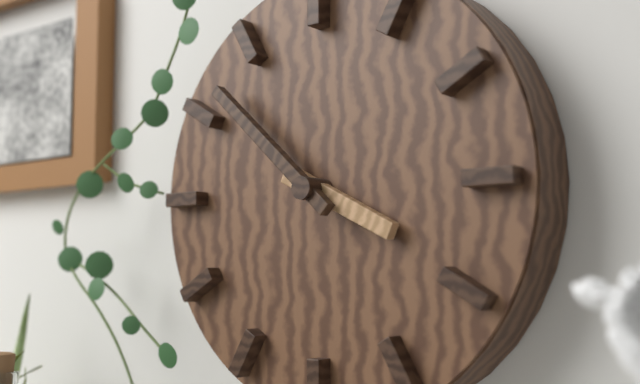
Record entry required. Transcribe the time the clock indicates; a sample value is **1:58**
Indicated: **3:52**
